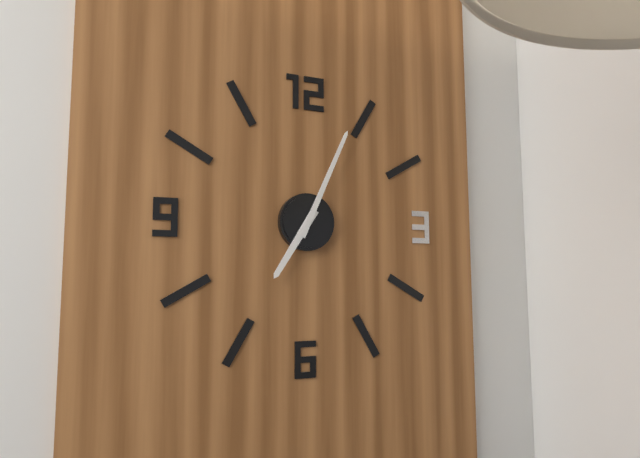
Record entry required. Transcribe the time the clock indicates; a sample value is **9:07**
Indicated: **7:04**
